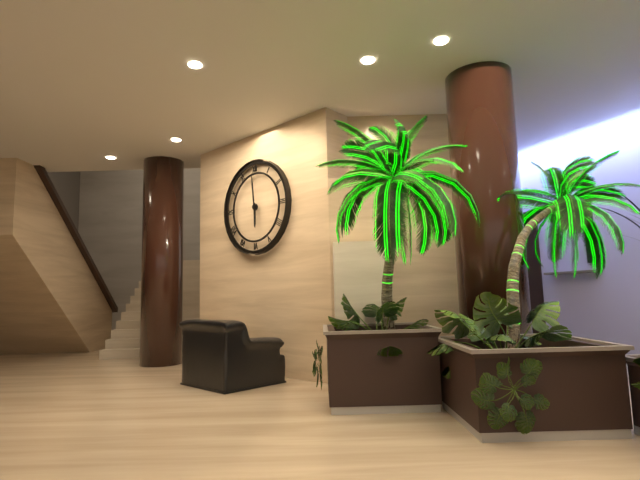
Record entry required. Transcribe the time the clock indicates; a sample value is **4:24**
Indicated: **5:59**
